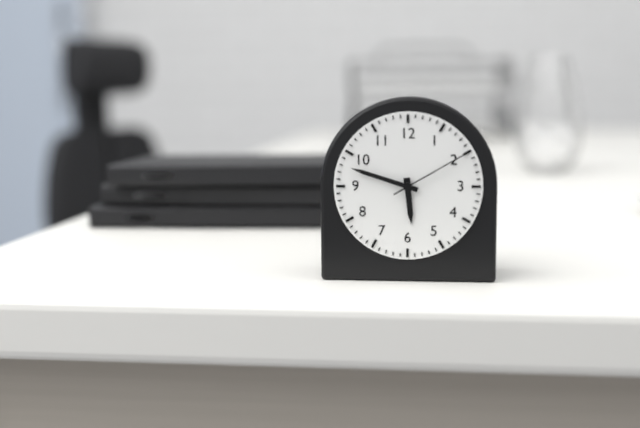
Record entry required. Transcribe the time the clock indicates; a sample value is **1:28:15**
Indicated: **5:48:10**
